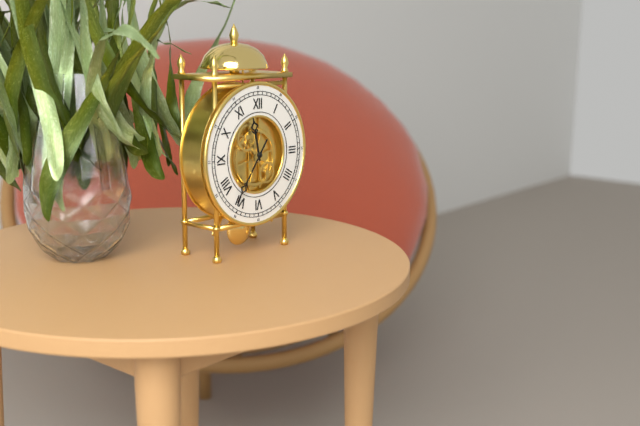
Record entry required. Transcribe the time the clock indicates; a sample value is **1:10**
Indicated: **11:36**
